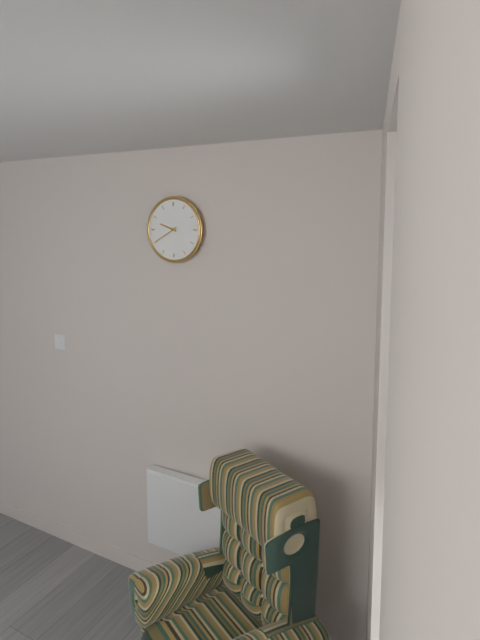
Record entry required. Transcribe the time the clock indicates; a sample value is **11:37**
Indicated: **9:40**
